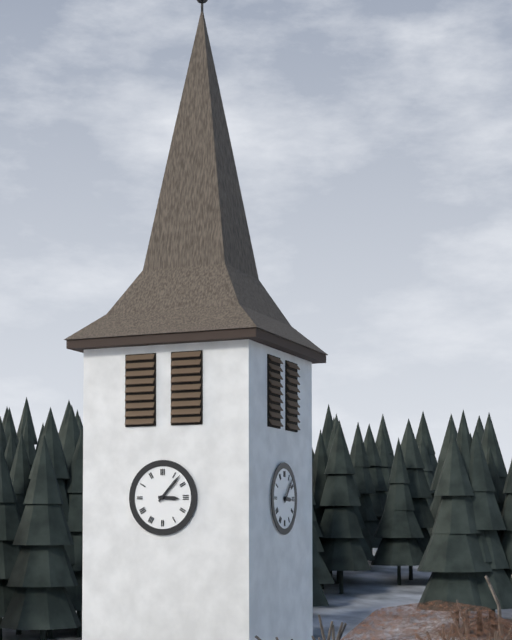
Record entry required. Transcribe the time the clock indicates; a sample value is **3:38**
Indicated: **3:07**
